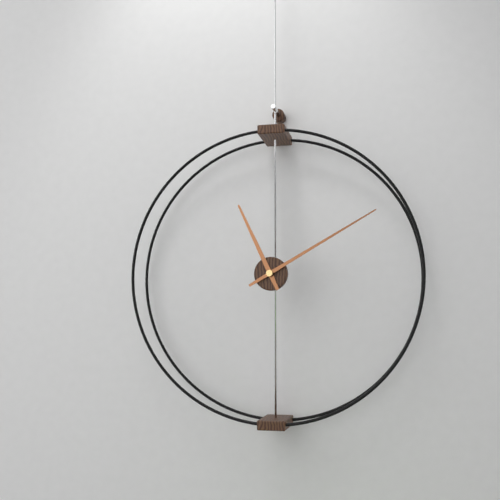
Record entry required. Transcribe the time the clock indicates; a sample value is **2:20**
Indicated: **11:10**
